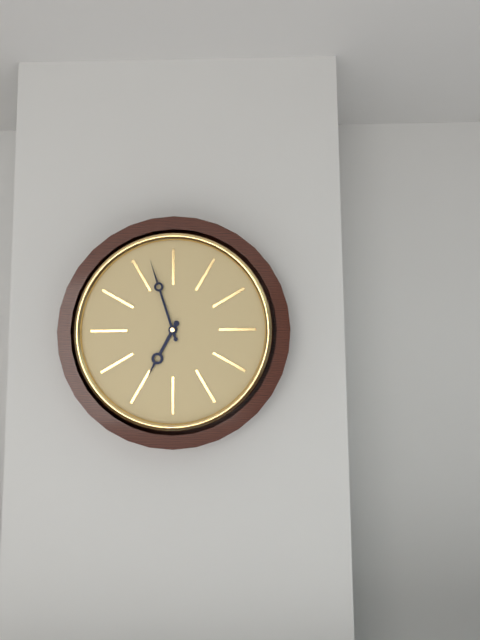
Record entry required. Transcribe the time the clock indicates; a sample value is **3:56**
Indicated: **6:57**
